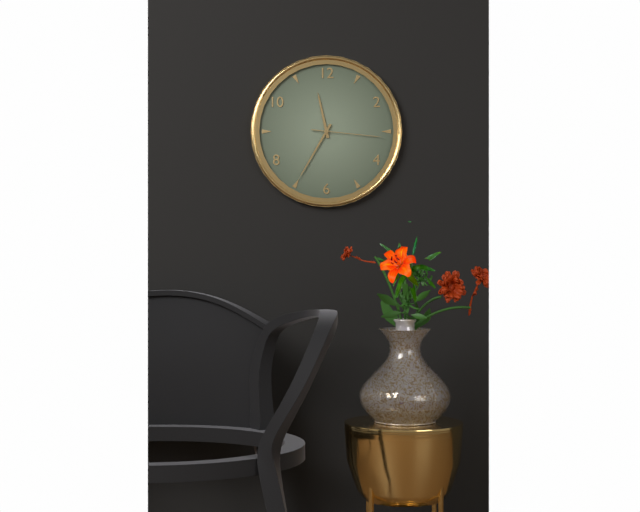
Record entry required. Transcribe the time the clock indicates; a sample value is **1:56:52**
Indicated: **11:35:16**
